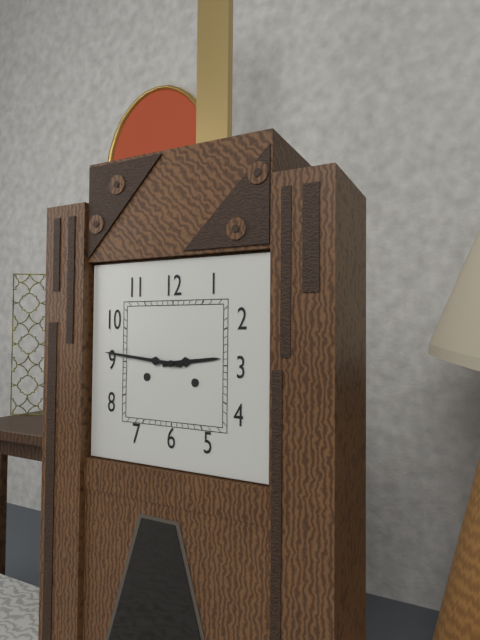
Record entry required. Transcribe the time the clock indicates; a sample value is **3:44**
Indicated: **2:46**
